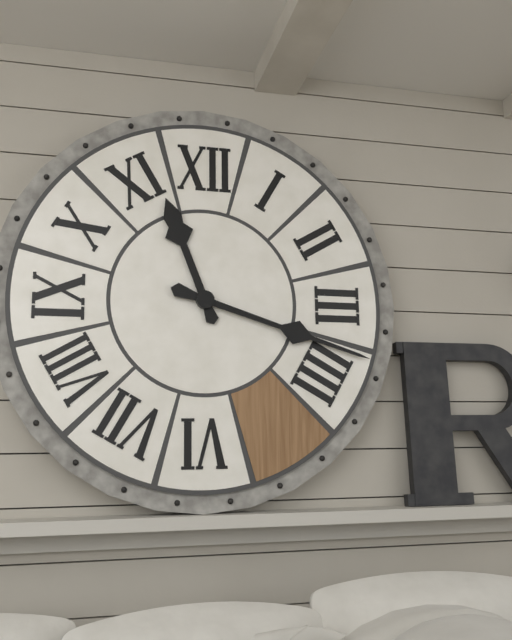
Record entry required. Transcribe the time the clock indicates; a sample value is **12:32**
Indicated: **11:18**
